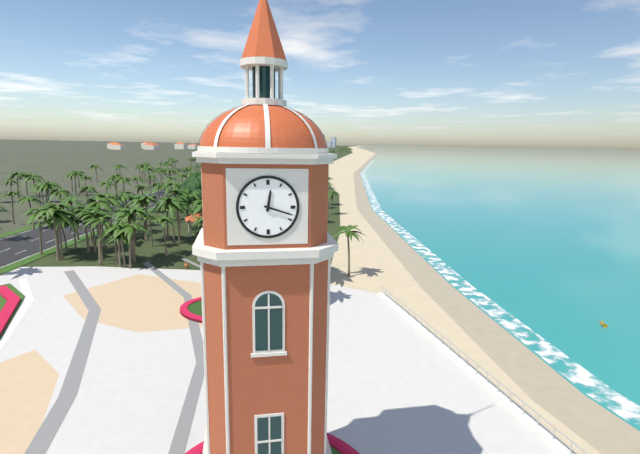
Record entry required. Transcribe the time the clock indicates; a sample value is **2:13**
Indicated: **12:18**
